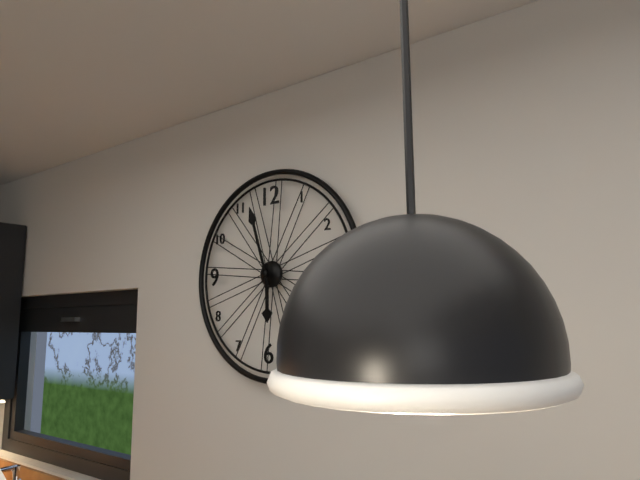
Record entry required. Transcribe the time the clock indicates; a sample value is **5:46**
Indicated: **5:57**
